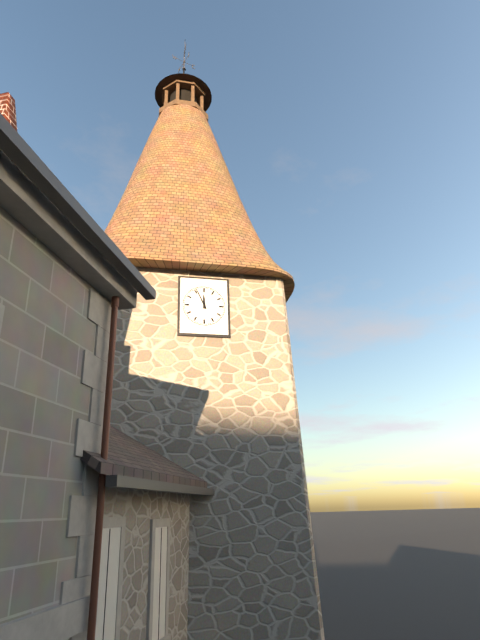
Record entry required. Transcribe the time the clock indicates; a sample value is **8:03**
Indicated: **11:56**
